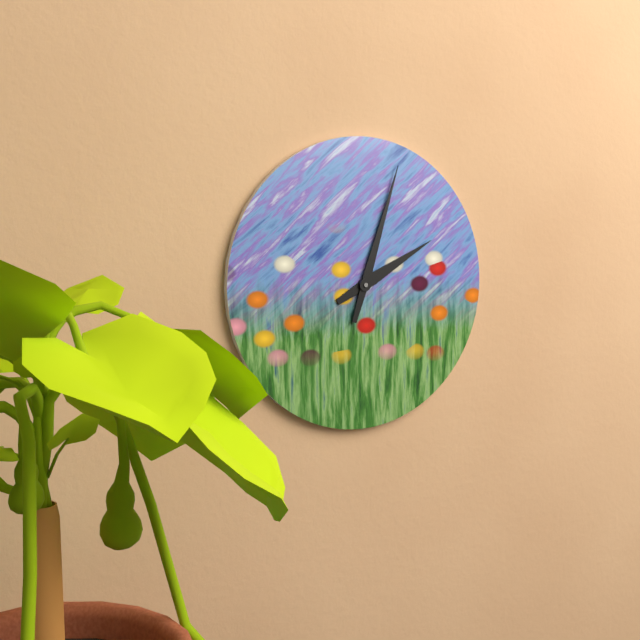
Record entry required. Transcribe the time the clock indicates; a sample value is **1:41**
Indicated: **2:03**
